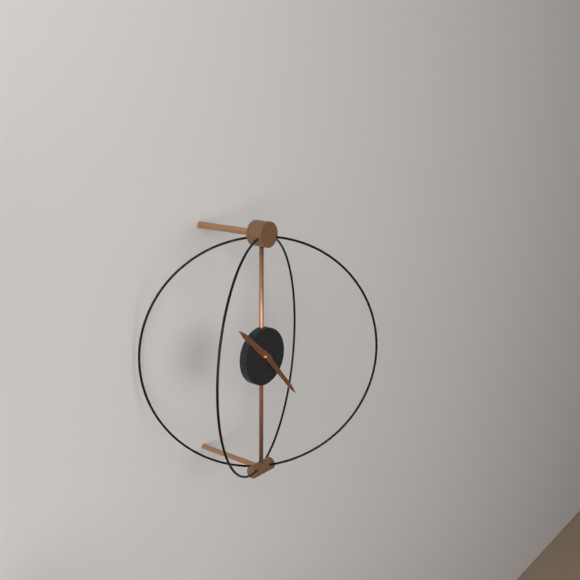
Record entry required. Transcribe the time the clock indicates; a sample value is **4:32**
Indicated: **10:23**
